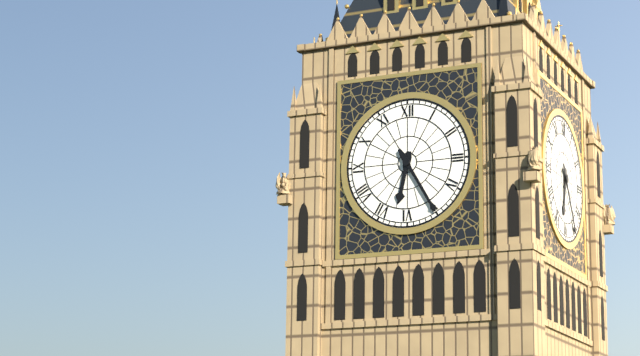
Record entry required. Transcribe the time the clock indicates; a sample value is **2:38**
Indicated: **6:25**
